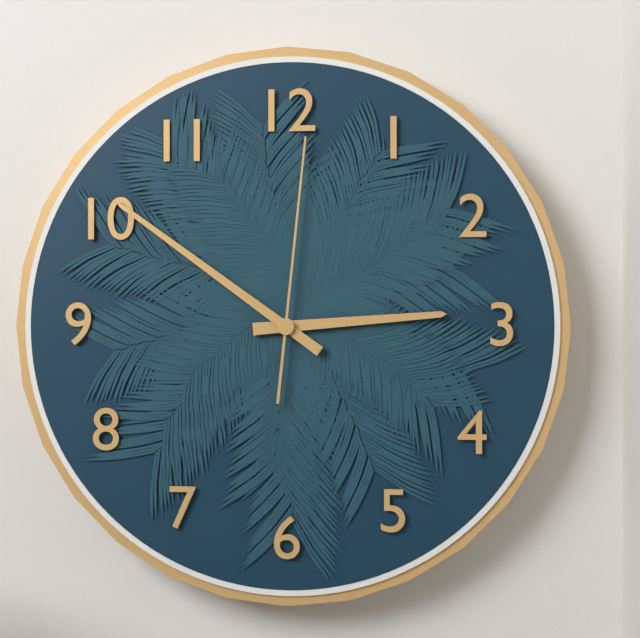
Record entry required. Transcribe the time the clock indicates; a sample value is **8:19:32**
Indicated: **2:51:01**
